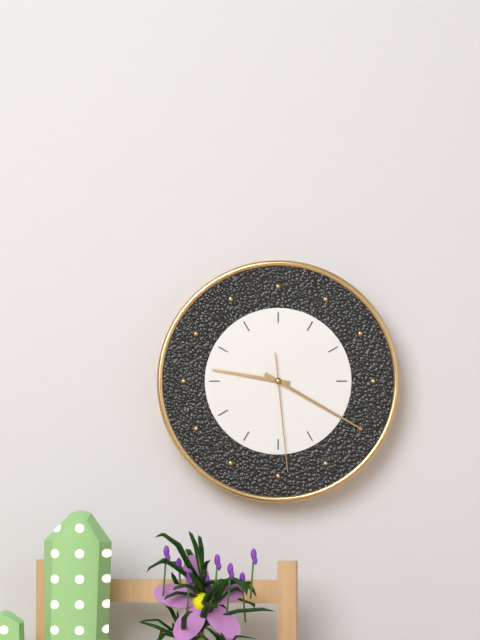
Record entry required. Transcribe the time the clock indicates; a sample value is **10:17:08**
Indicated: **9:20:29**
